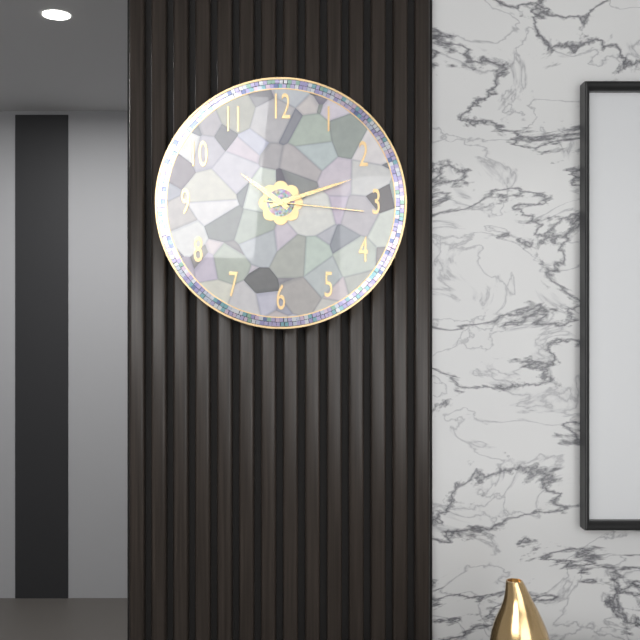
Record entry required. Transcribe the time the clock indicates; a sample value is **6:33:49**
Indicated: **10:12:16**
